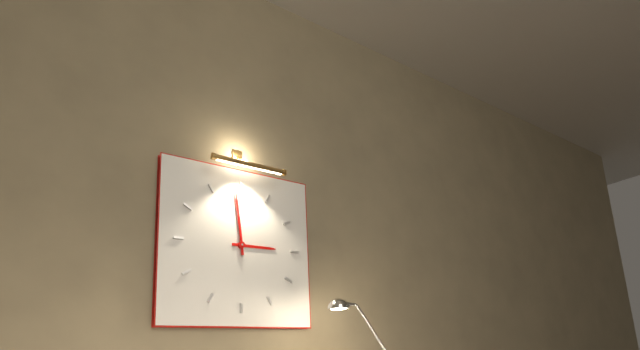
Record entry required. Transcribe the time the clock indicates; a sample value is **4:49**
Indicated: **2:59**
